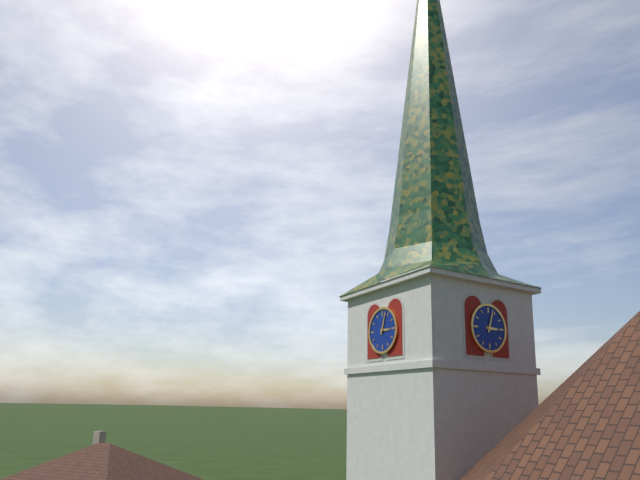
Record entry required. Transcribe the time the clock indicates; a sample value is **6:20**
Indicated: **3:03**
